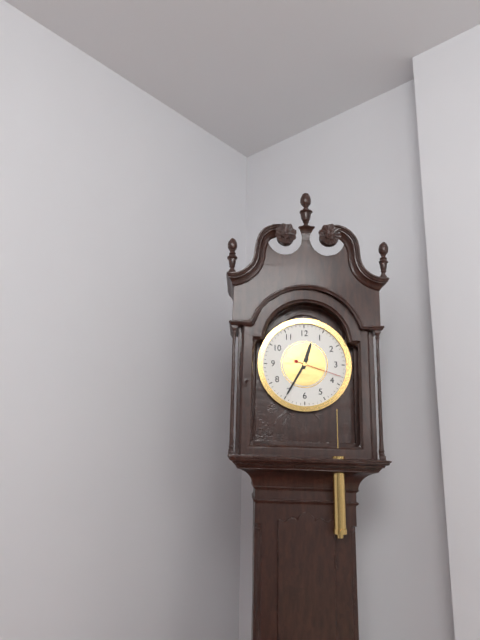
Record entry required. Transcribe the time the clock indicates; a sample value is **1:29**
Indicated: **12:35**
